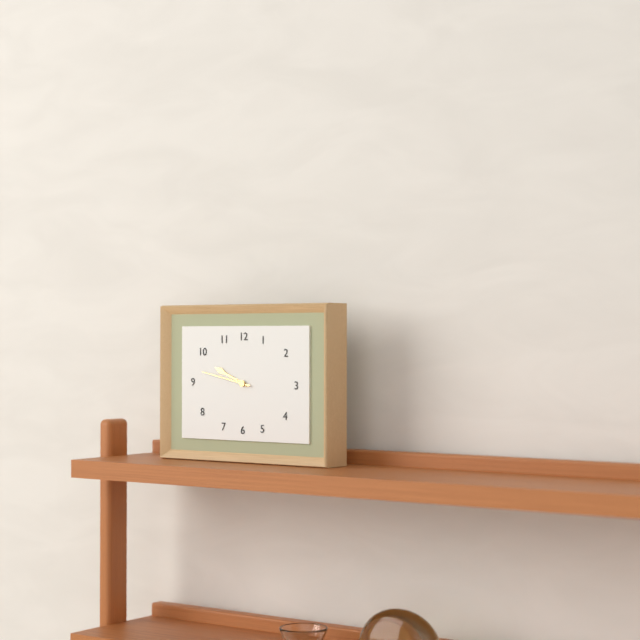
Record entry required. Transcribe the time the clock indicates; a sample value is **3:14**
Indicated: **9:47**
